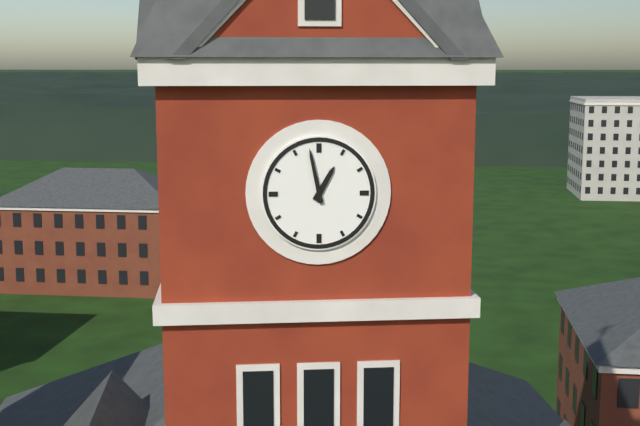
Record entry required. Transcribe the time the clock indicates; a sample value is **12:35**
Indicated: **12:58**
